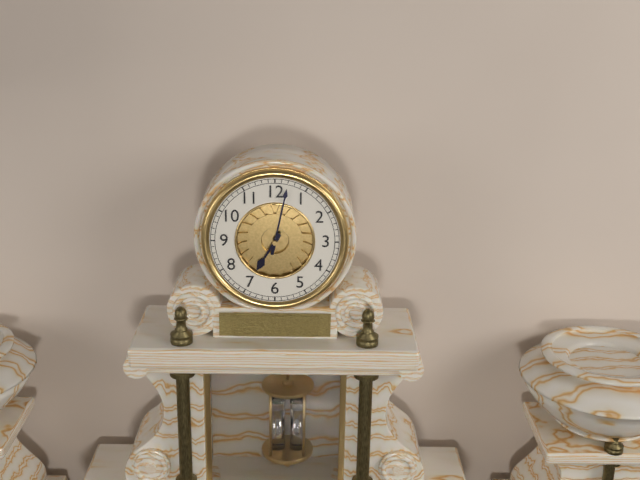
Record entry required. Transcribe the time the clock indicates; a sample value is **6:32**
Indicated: **7:02**
